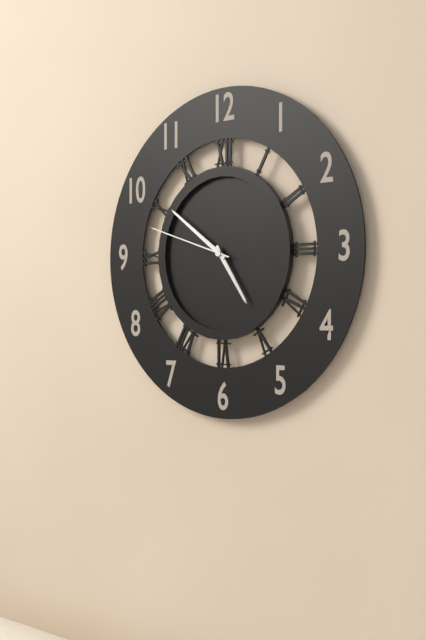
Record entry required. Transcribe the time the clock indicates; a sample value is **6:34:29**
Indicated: **4:51:48**
